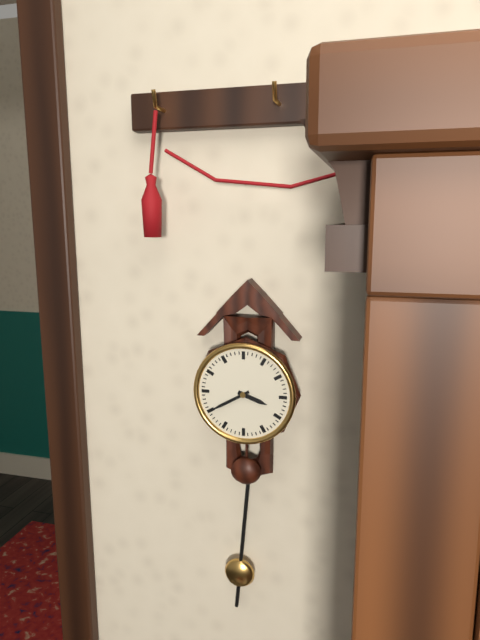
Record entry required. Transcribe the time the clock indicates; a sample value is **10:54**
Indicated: **3:40**
